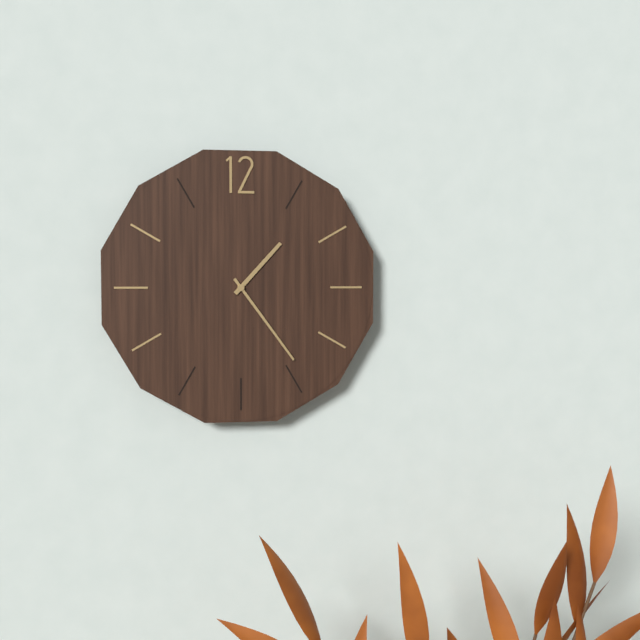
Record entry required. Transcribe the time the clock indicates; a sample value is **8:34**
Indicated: **1:24**
